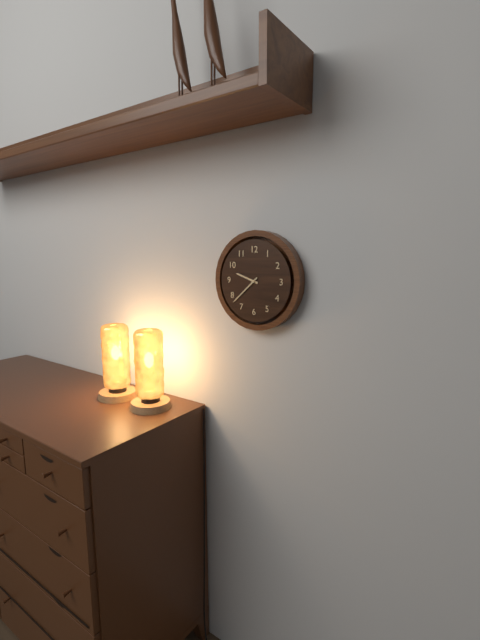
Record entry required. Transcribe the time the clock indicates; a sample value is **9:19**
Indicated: **9:38**
